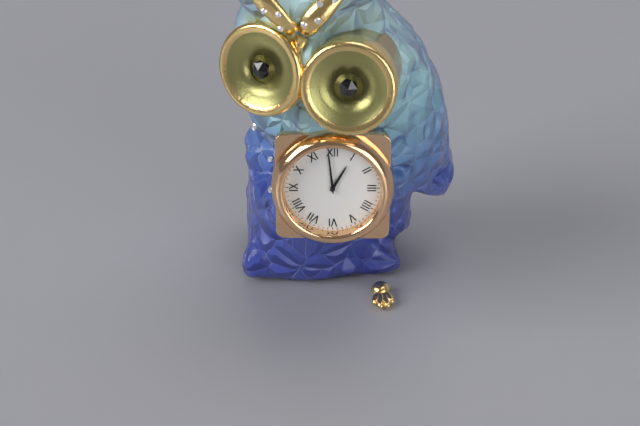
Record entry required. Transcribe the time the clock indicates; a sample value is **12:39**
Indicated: **12:59**
